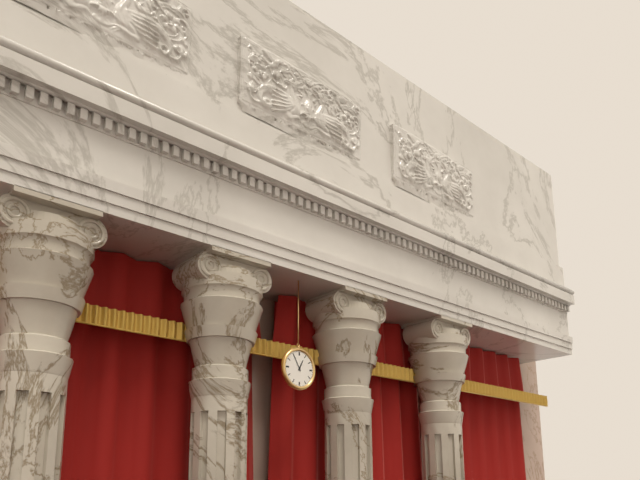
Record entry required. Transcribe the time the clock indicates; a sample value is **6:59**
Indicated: **12:55**
